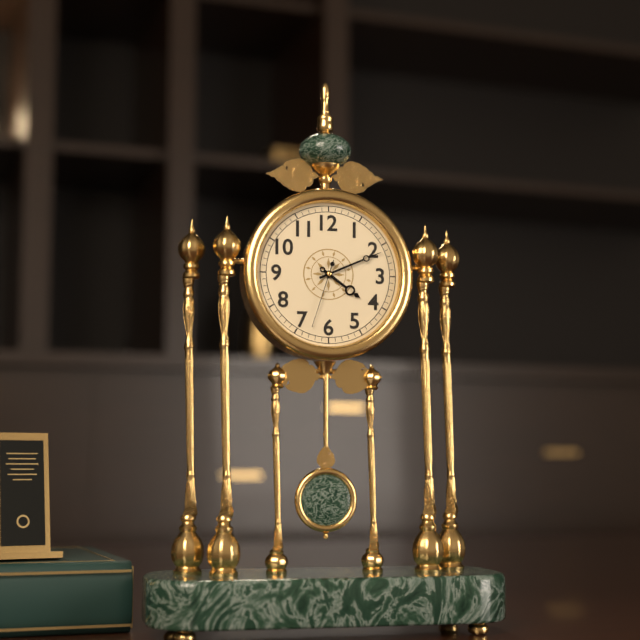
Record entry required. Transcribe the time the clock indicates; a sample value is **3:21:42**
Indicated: **4:11:33**
